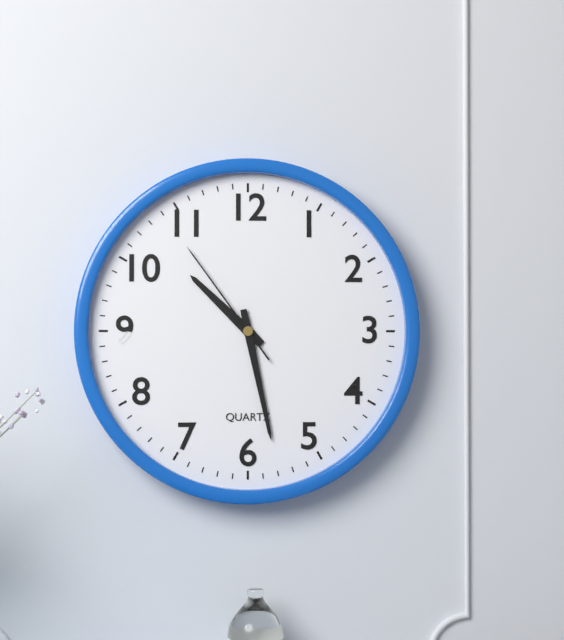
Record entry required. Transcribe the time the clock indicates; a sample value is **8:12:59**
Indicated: **10:28:54**
